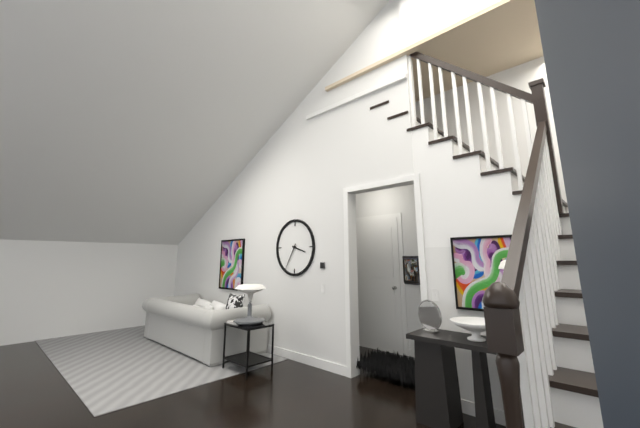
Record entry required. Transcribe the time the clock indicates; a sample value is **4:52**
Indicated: **3:35**
